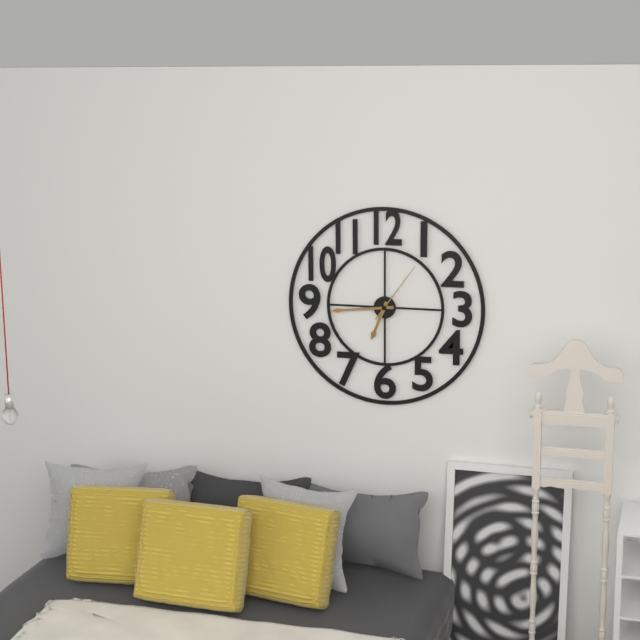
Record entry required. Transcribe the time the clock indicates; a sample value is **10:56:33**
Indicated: **6:44:06**
